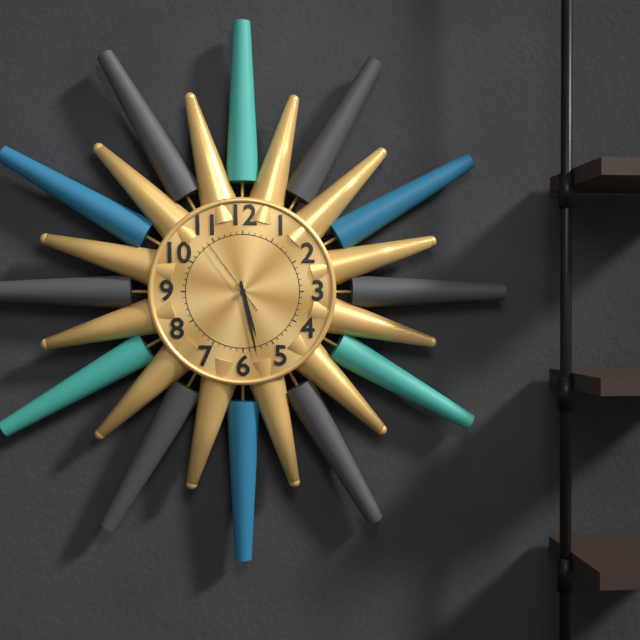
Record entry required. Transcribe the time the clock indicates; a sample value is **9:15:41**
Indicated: **5:28:54**
